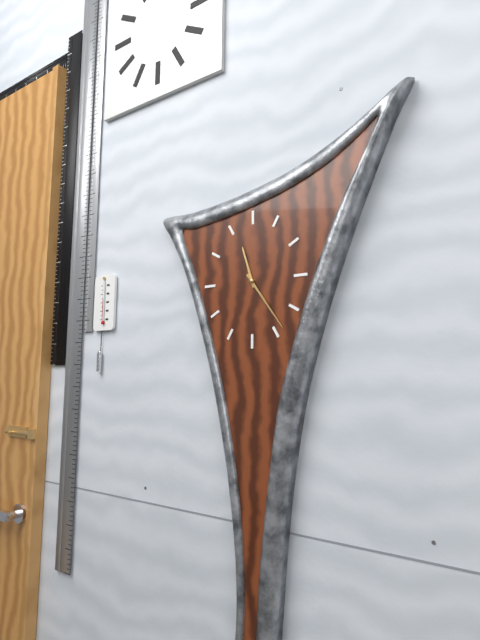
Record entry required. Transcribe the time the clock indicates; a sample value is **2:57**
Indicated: **11:24**
